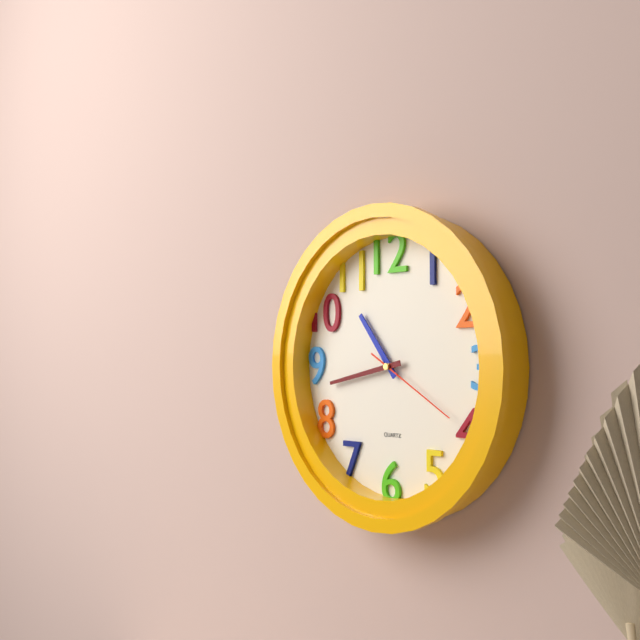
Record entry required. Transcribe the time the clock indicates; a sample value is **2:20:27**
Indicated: **10:43:20**
